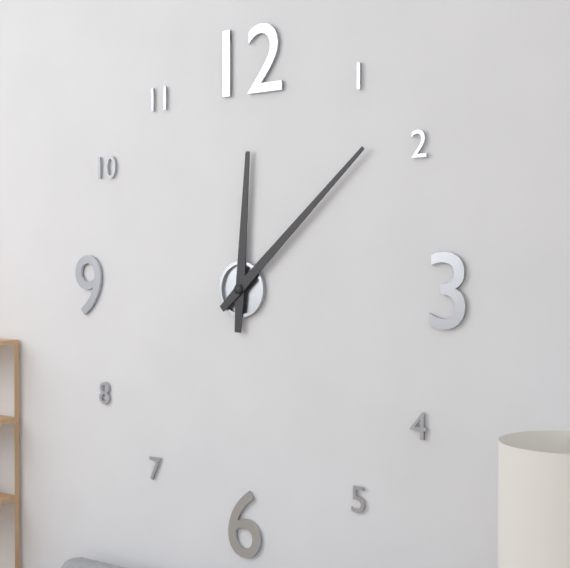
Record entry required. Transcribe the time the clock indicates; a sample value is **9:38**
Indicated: **12:08**
